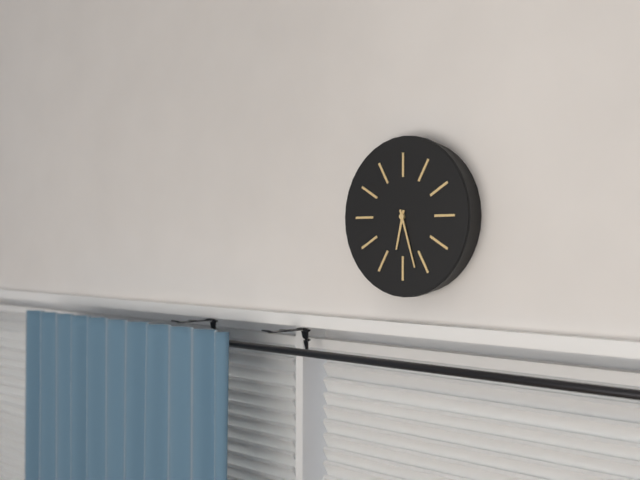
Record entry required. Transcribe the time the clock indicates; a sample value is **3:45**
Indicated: **6:27**
